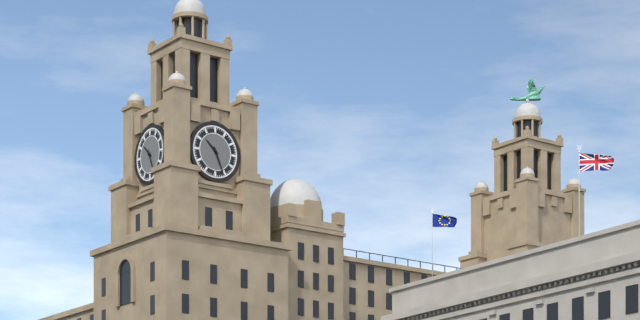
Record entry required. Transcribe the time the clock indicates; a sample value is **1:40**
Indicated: **10:26**
